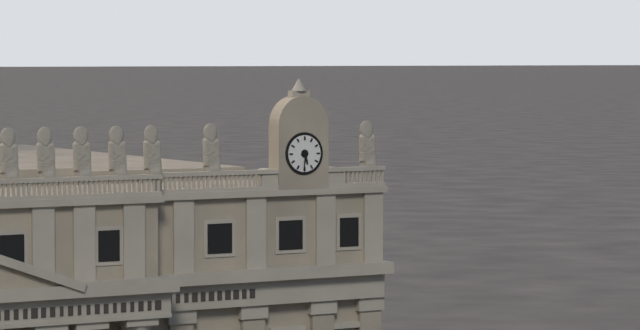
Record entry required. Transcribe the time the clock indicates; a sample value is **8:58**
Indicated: **5:31**
